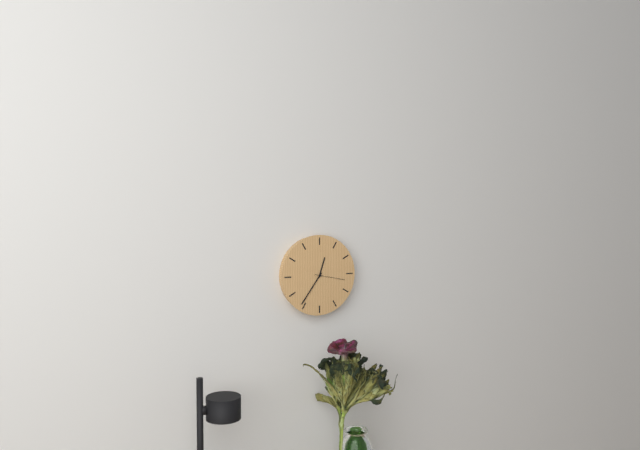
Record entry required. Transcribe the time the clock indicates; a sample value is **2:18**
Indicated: **12:36**
